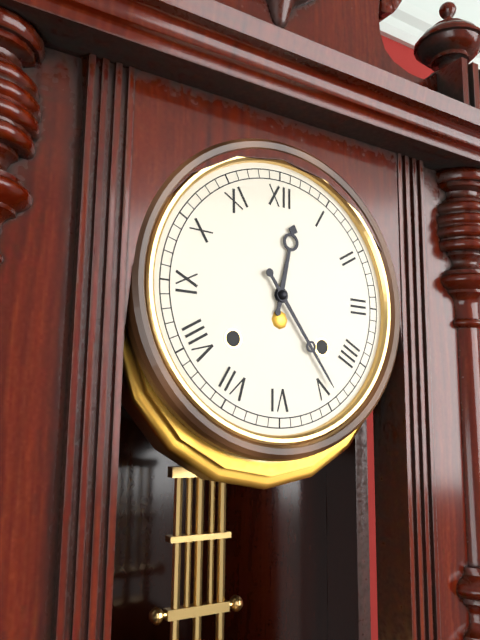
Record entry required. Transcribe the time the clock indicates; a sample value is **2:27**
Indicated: **12:24**
